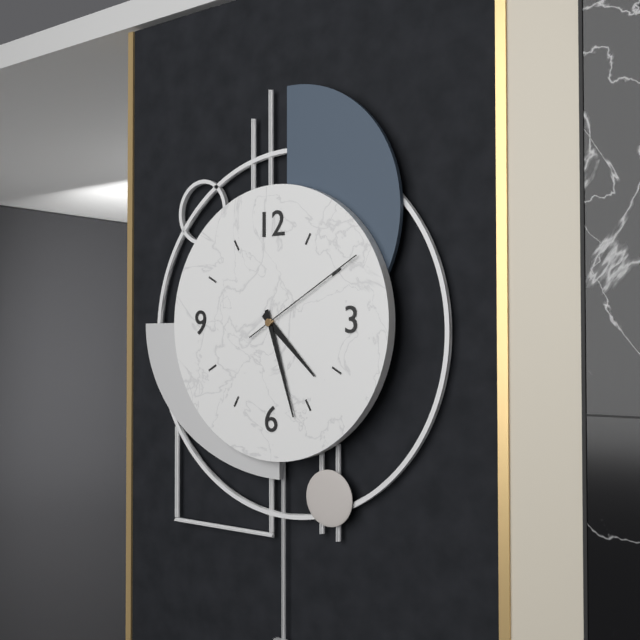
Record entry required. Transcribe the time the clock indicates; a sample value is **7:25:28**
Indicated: **4:27:10**
